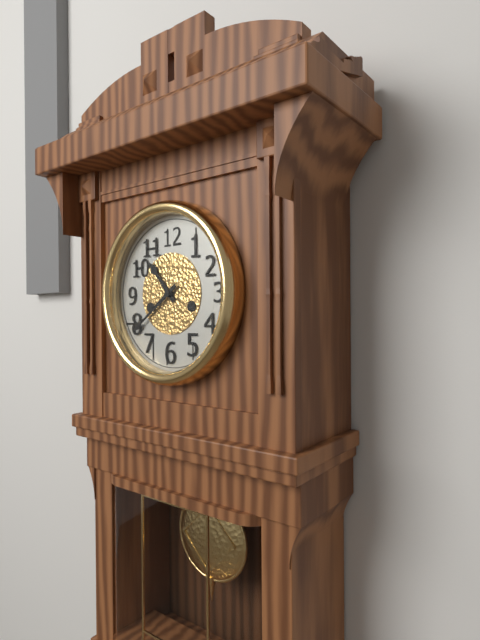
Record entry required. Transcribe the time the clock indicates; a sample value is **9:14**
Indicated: **10:39**
